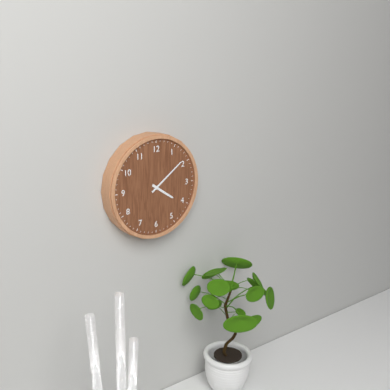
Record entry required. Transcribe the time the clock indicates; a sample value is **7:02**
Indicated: **4:09**
